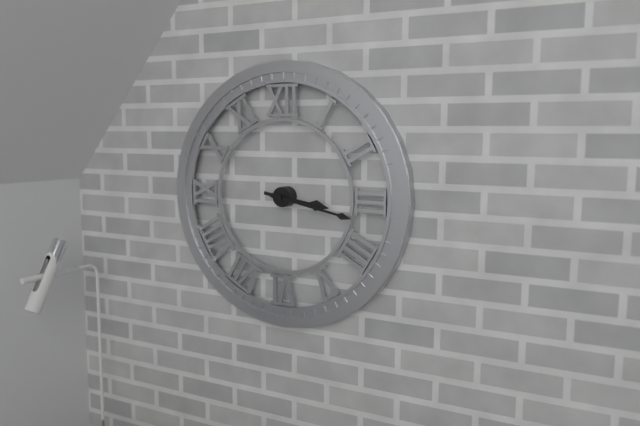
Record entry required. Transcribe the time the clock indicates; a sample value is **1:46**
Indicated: **3:17**
